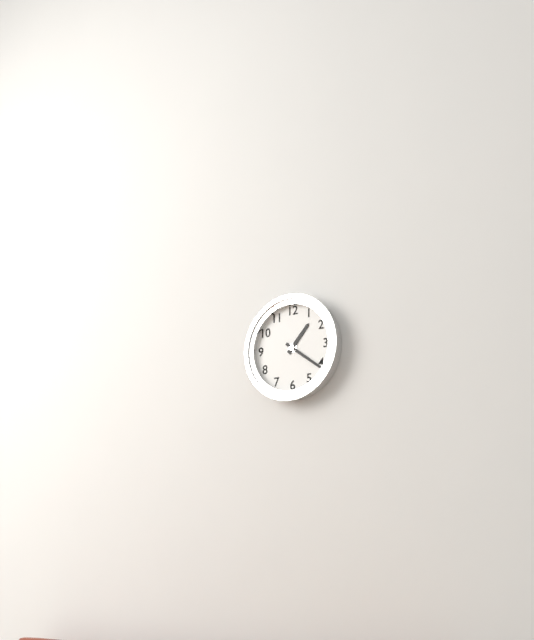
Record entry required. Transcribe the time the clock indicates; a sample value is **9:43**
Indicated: **1:21**
